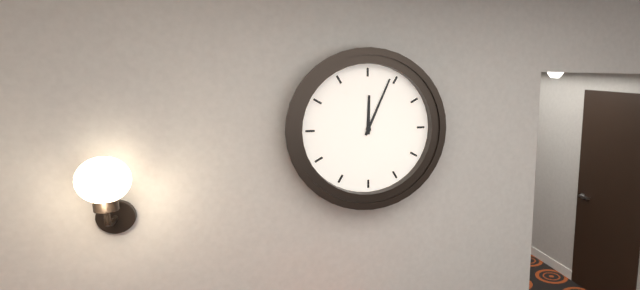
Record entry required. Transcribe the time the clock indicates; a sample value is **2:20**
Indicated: **12:04**
